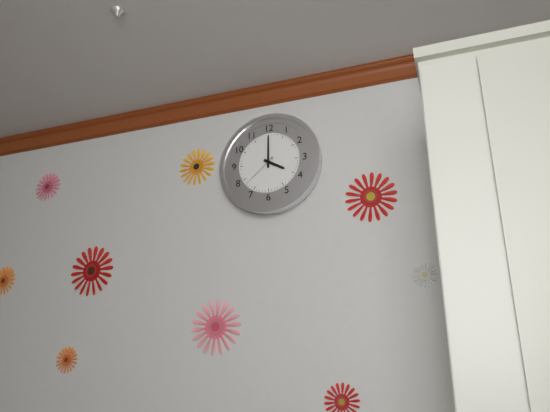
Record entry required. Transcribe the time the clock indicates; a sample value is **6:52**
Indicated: **4:00**
